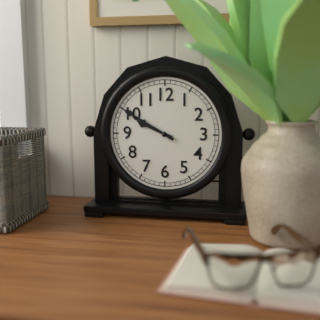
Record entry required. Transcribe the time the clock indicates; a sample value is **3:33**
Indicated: **9:50**
